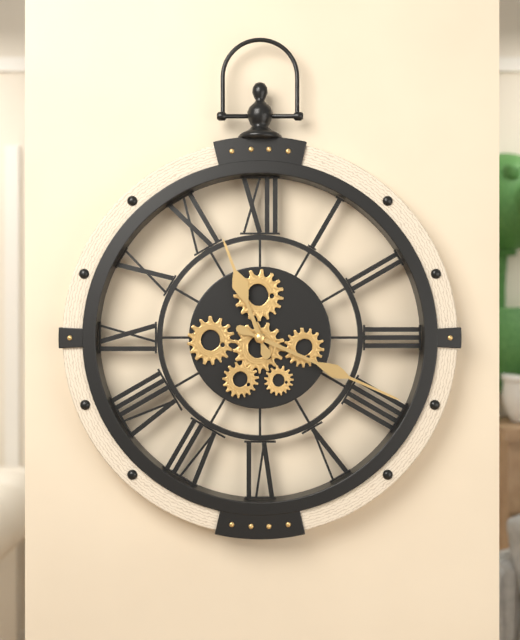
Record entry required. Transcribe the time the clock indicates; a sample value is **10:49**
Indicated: **11:19**
